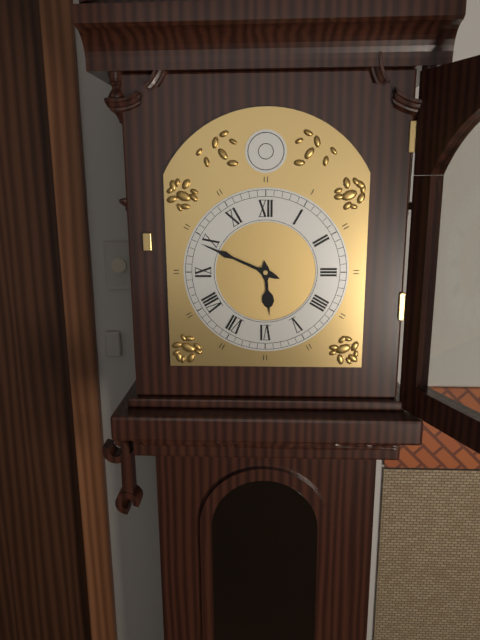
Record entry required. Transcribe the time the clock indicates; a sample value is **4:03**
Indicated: **5:49**
